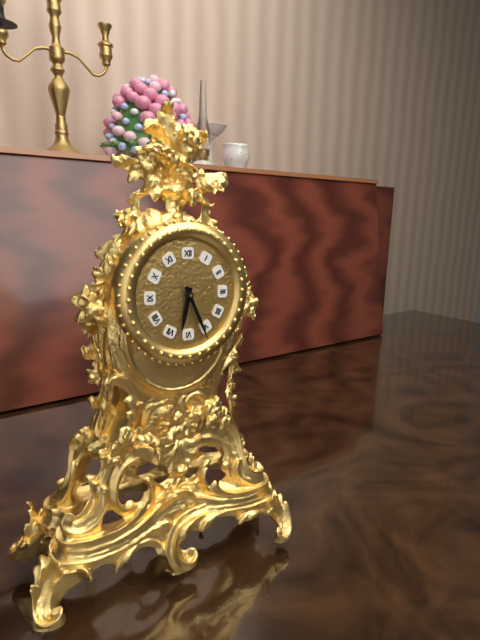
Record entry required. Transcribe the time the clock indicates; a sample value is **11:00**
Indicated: **6:26**
